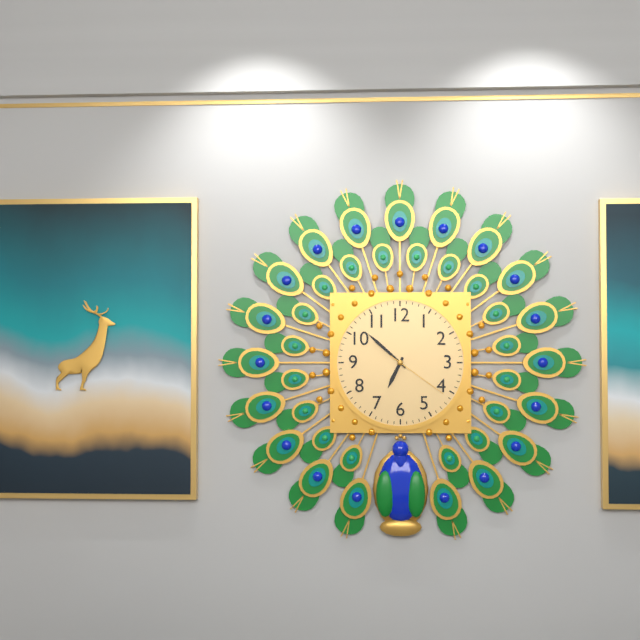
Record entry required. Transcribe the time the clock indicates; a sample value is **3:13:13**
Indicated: **6:52:21**
